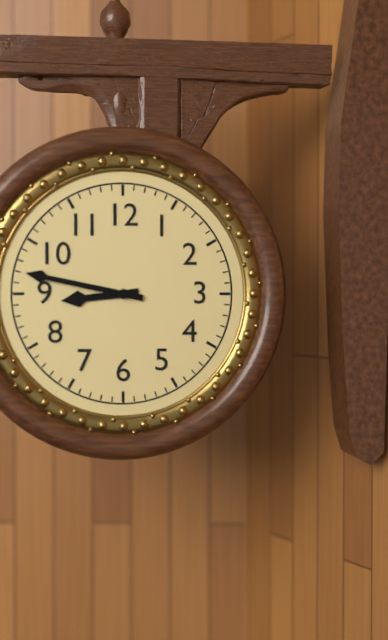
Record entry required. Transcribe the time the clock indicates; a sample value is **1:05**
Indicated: **8:47**
